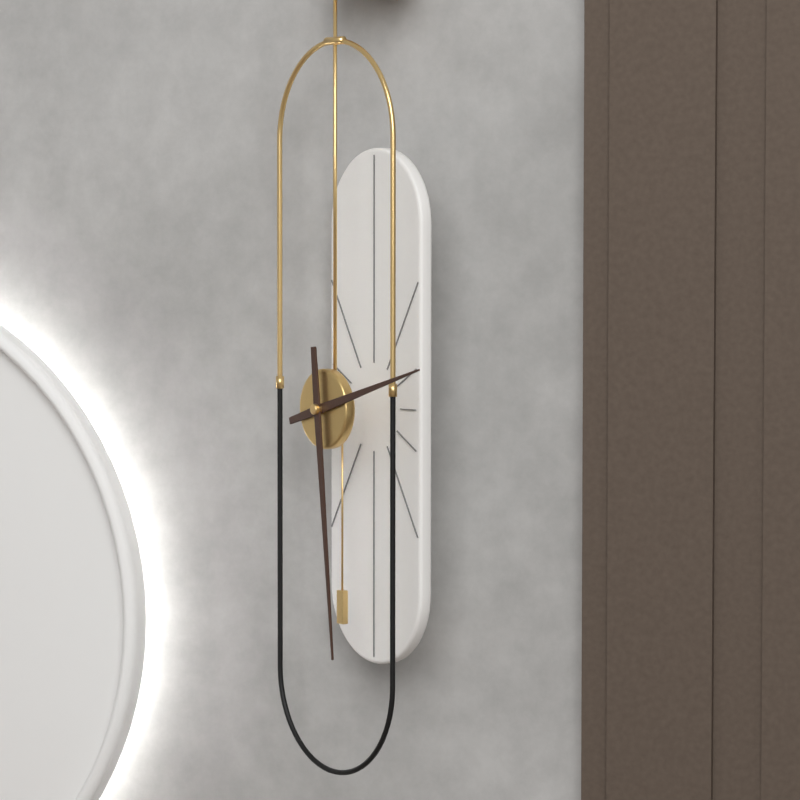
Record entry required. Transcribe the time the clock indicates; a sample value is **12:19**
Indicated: **2:29**
